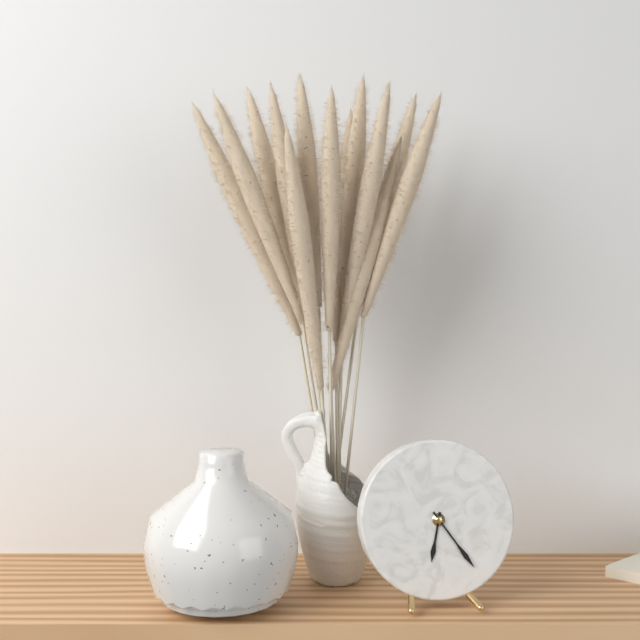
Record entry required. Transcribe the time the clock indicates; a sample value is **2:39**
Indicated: **6:24**
